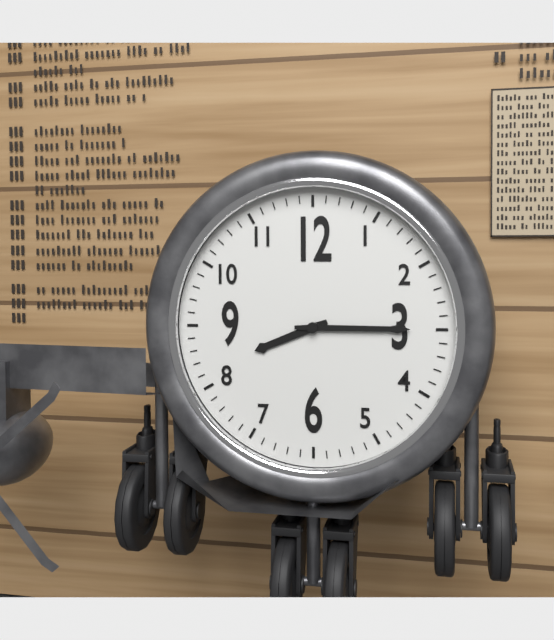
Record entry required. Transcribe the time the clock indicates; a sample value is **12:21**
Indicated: **8:15**
